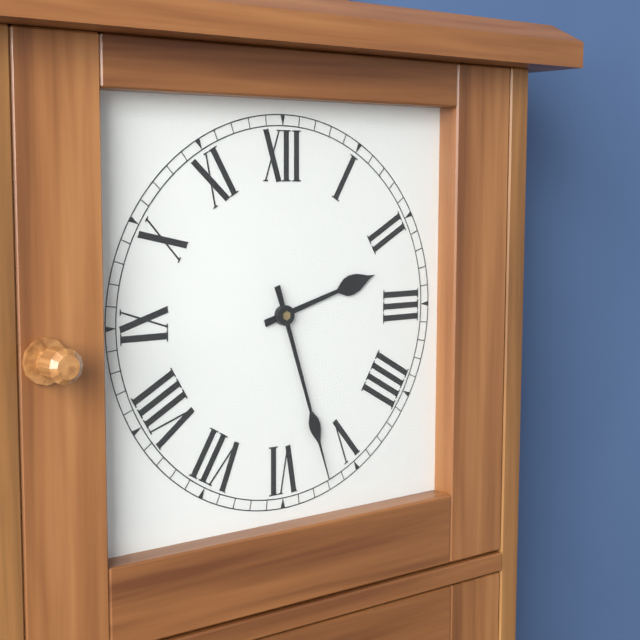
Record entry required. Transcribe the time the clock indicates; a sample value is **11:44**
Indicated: **2:27**
